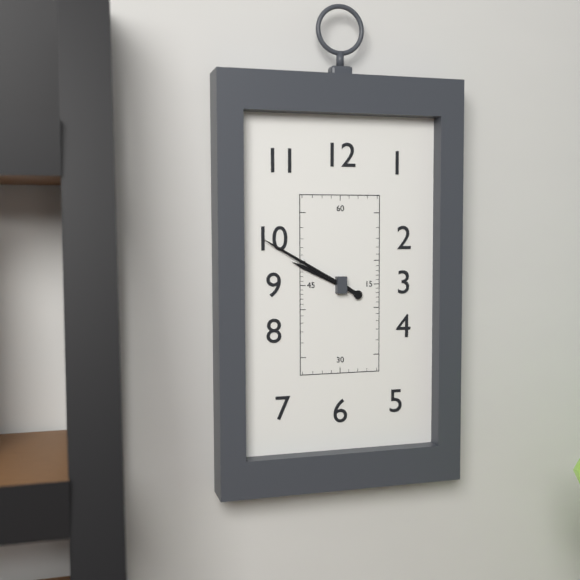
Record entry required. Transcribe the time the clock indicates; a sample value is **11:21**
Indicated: **9:50**
